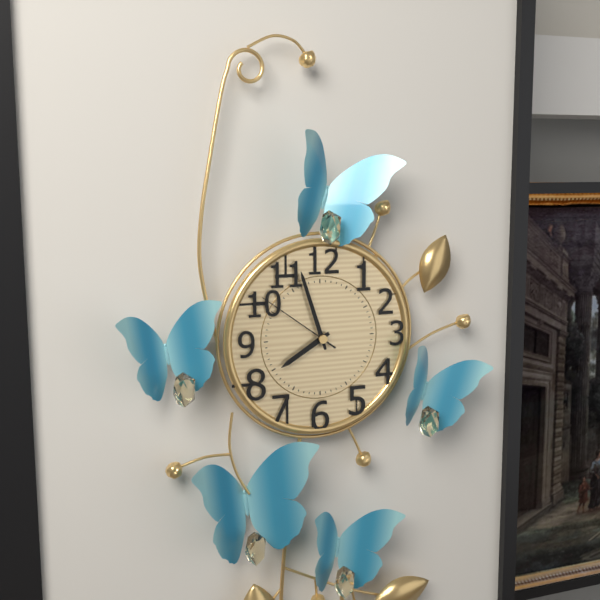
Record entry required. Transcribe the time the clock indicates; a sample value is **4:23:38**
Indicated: **7:57:51**
